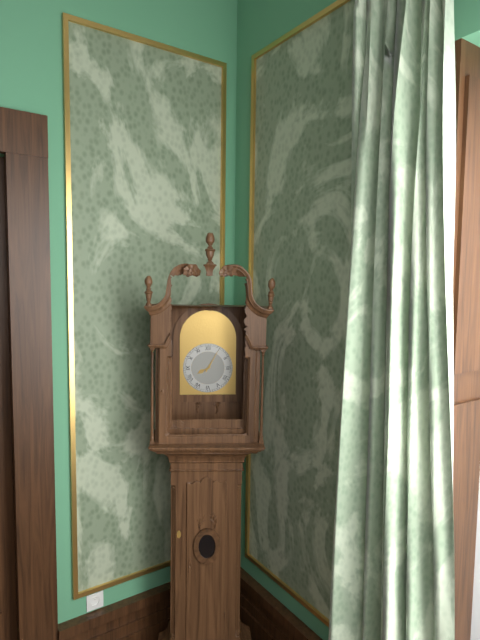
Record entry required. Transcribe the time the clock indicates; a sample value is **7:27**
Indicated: **8:05**
